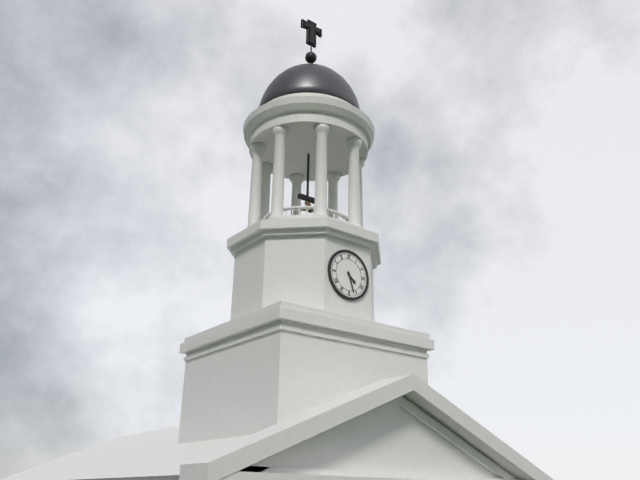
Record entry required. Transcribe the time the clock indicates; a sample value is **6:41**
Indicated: **4:27**
